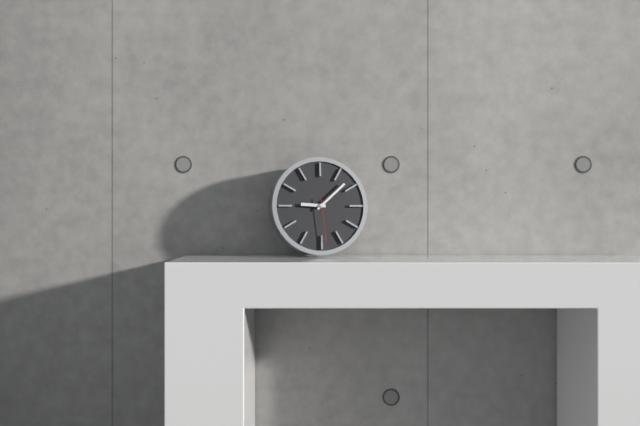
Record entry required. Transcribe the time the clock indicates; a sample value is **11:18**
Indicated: **9:08**
